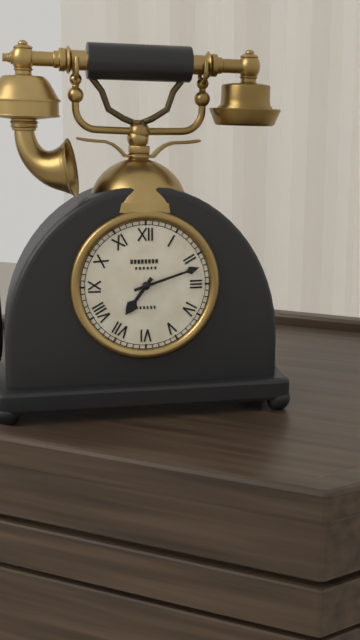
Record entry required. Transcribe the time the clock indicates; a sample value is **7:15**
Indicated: **7:12**
